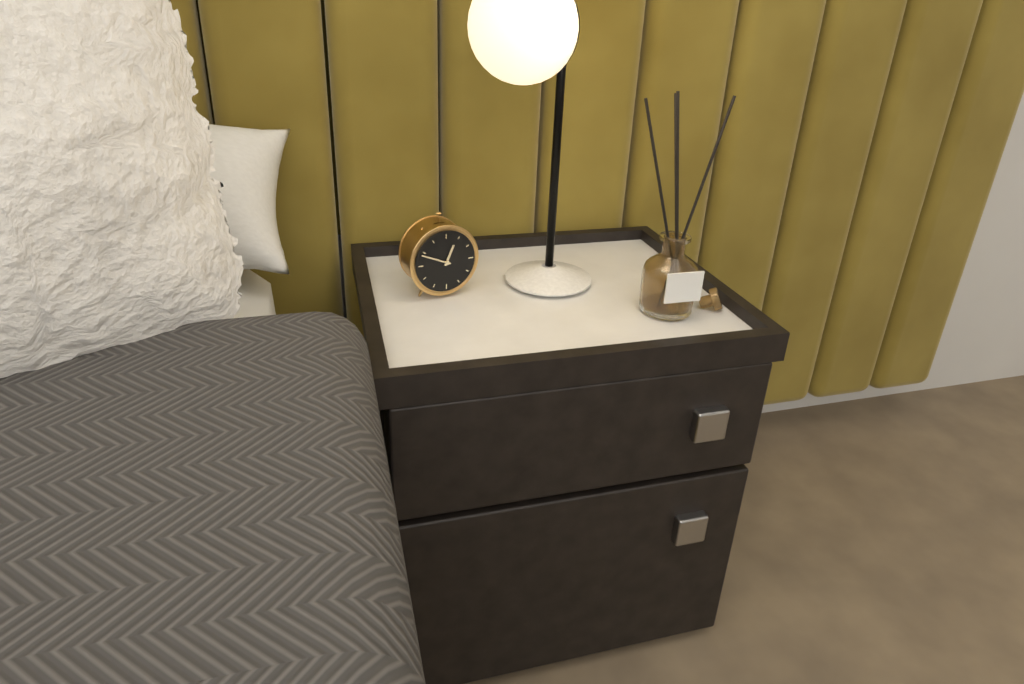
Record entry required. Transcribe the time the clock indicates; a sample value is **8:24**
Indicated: **12:49**
